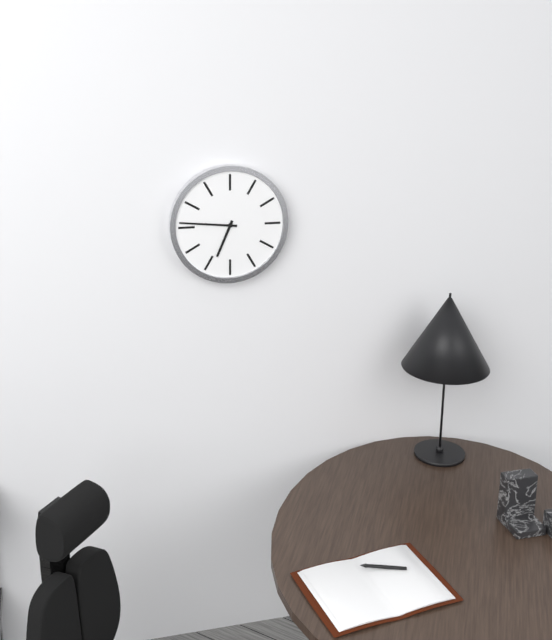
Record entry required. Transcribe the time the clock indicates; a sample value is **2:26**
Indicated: **6:46**
